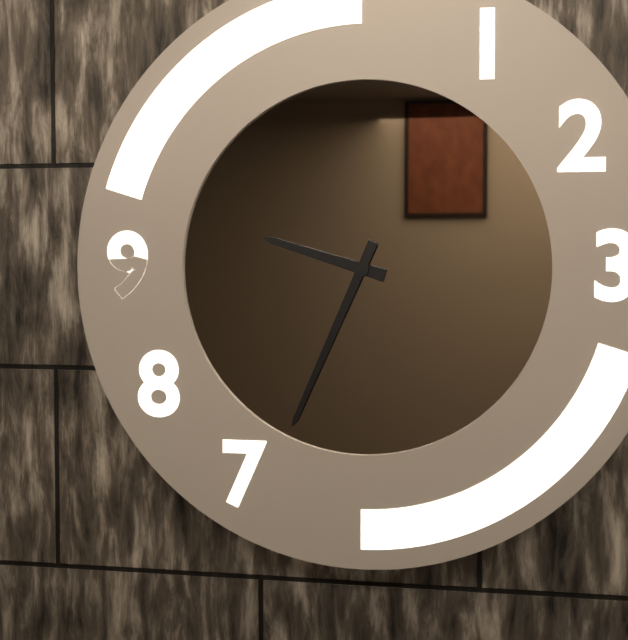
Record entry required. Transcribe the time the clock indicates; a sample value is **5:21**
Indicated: **9:34**
